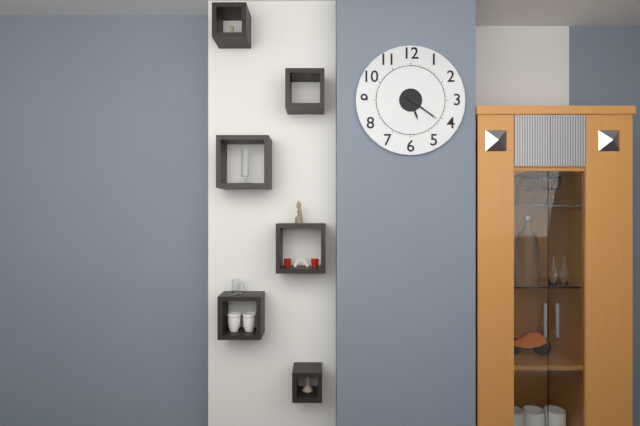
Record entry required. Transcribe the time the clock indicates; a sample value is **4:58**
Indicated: **5:21**
